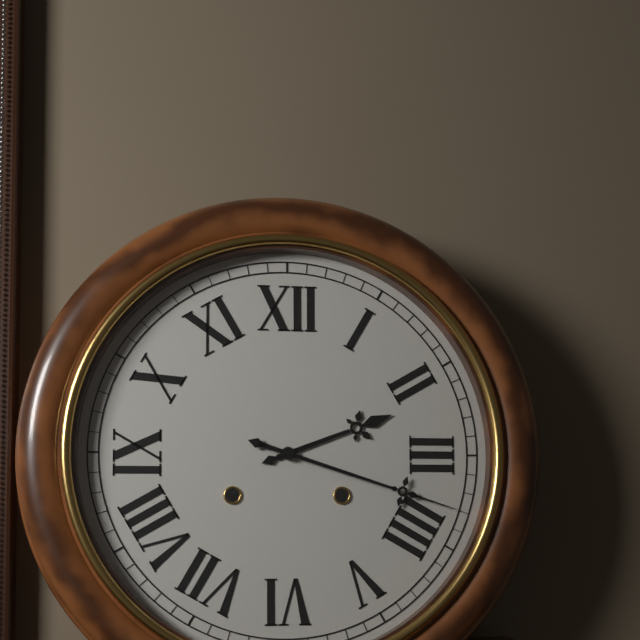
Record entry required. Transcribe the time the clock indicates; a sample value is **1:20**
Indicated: **2:18**
